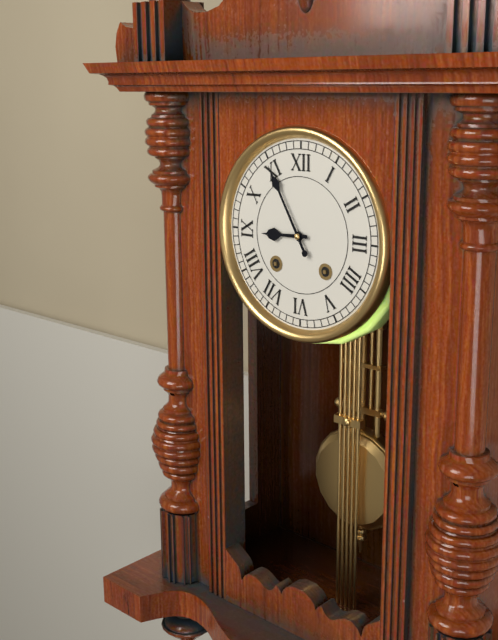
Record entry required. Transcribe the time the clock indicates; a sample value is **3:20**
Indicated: **8:55**
